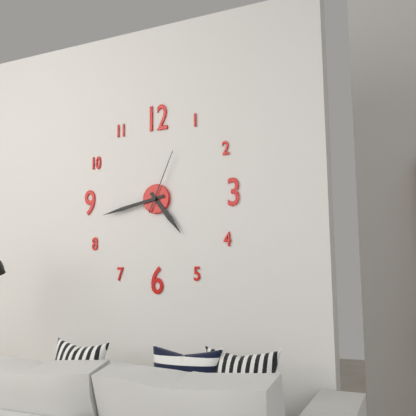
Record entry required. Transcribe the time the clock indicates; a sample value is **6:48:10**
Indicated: **4:43:04**
